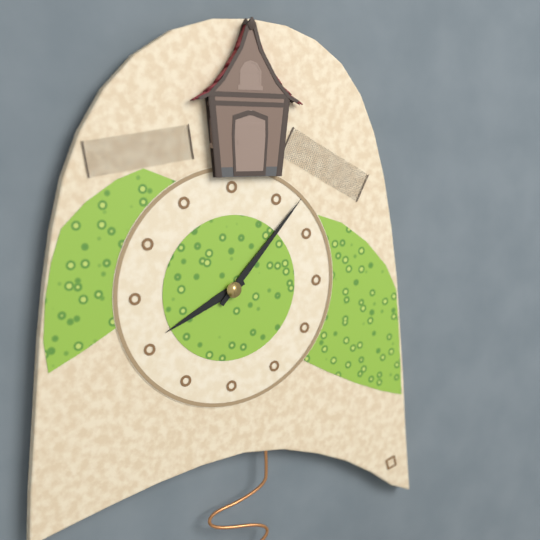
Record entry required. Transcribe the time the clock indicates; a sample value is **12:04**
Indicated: **8:07**
